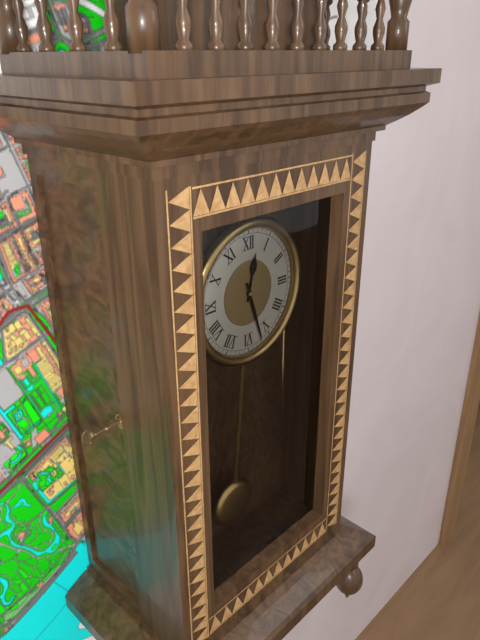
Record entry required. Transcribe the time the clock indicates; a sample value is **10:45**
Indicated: **12:27**
